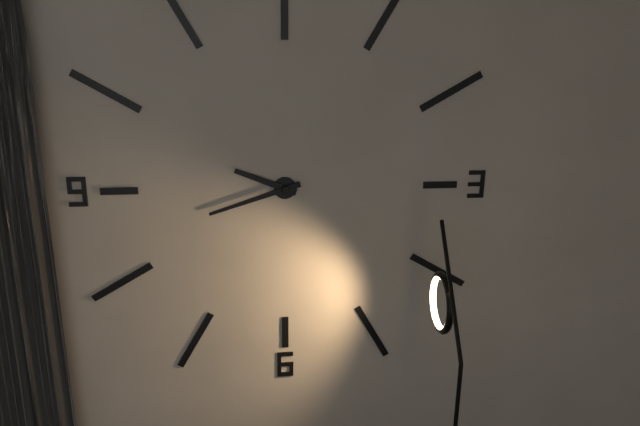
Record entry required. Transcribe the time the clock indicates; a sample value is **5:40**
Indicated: **9:42**
